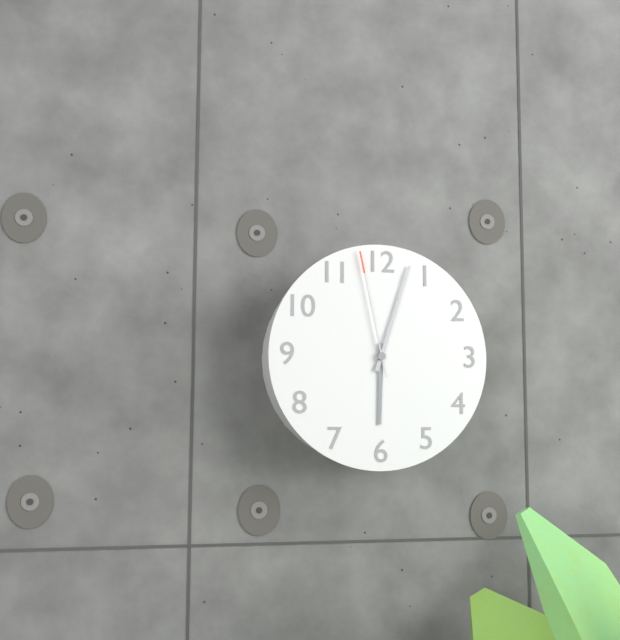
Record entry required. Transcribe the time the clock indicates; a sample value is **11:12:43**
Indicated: **6:03:58**
